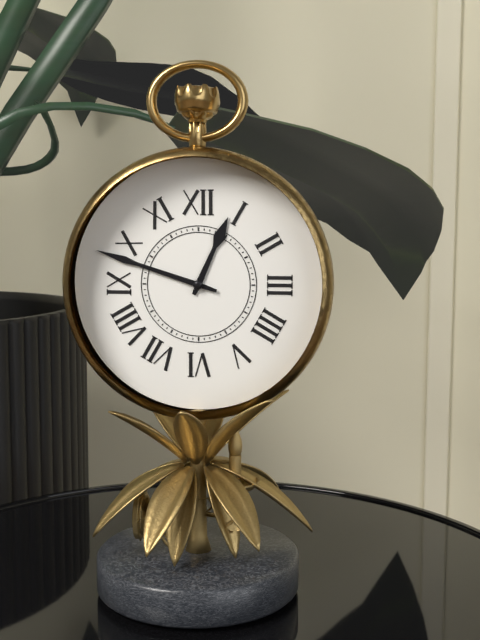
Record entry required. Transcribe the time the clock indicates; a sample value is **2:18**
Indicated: **12:48**
